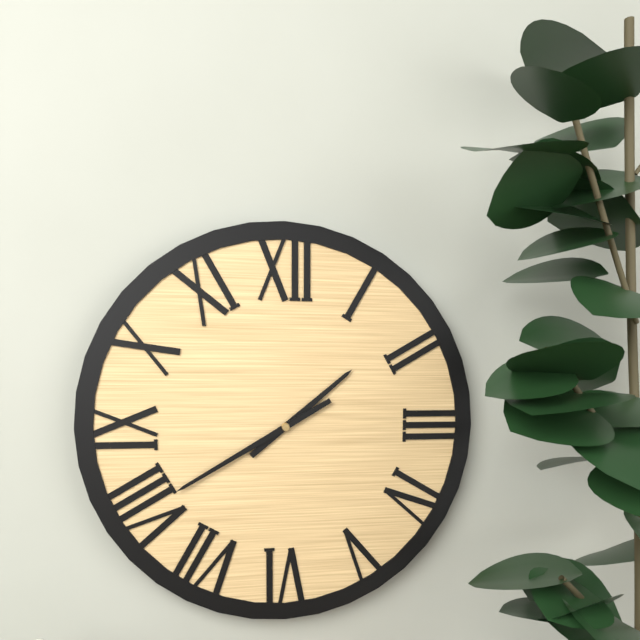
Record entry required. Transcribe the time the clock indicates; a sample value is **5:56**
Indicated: **1:40**
